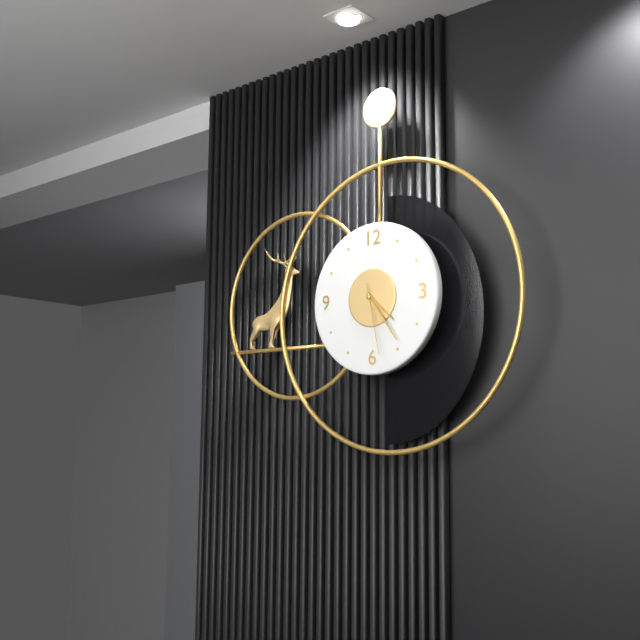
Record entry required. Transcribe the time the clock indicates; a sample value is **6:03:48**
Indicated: **4:24:28**
